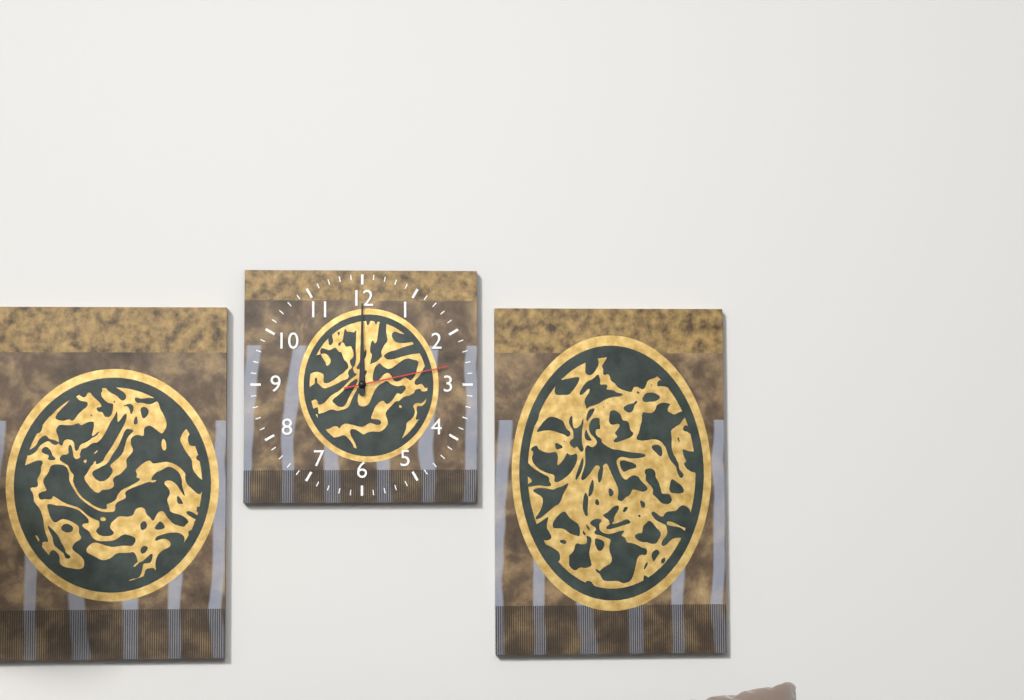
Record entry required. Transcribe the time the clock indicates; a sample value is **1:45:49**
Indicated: **12:00:13**
